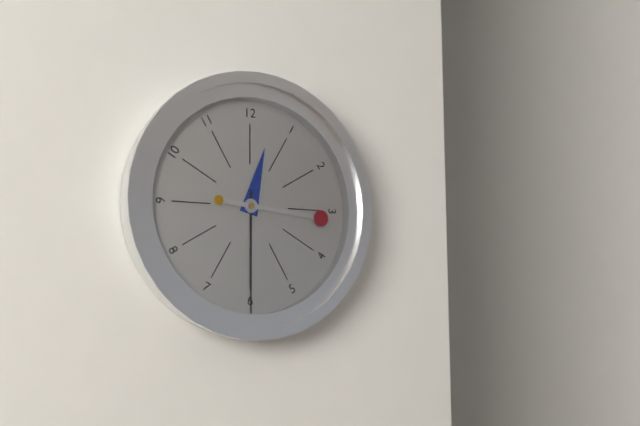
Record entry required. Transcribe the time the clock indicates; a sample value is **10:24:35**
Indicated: **12:30:16**
